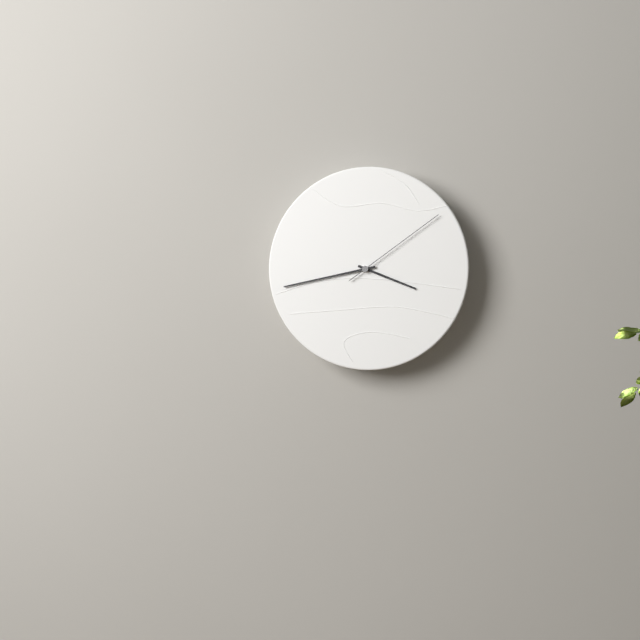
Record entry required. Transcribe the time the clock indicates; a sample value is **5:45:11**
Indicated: **3:43:09**
